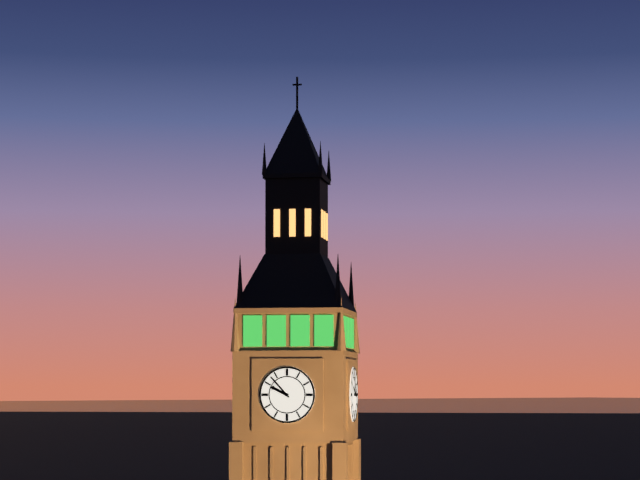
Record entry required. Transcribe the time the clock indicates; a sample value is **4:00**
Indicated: **9:53**
